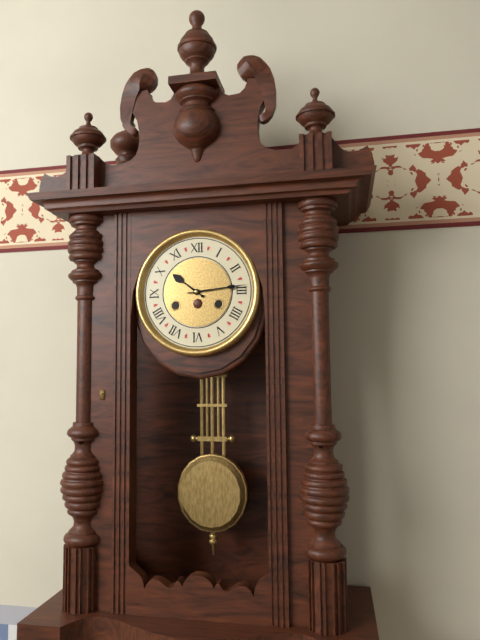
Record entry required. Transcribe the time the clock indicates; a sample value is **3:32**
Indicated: **10:14**
